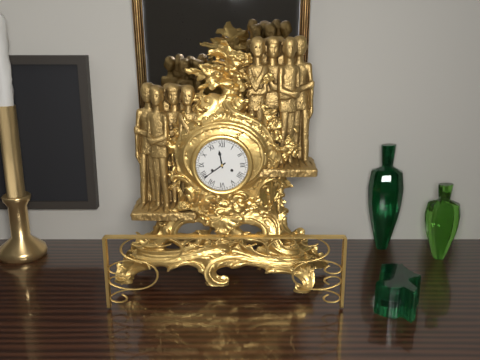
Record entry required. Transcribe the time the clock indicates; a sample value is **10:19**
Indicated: **11:39**
